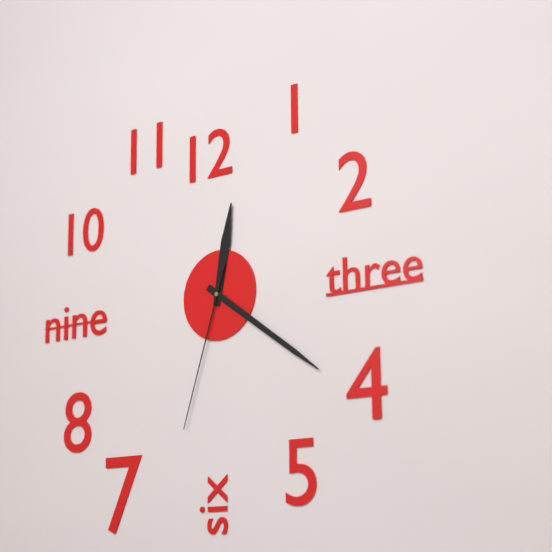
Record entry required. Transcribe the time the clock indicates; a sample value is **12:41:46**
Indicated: **12:21:33**
